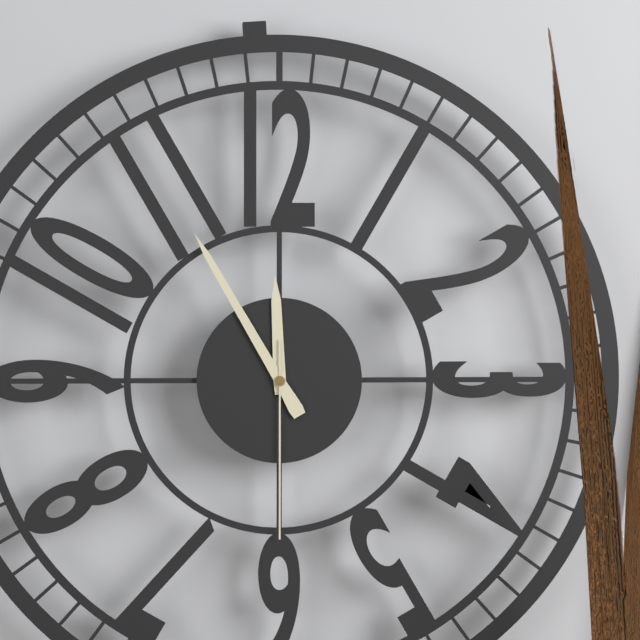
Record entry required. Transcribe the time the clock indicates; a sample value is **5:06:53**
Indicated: **11:55:30**
